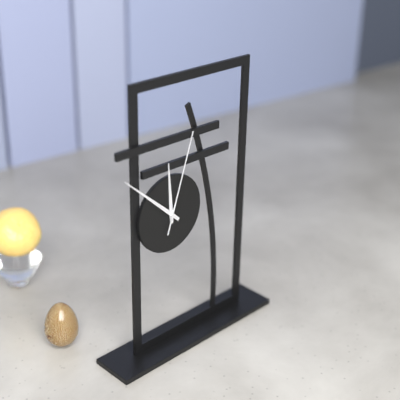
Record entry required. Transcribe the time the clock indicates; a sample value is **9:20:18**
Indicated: **11:52:03**
